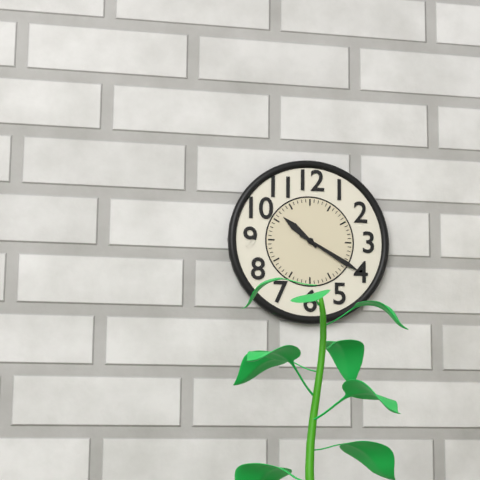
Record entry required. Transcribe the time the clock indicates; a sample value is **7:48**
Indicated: **10:20**
